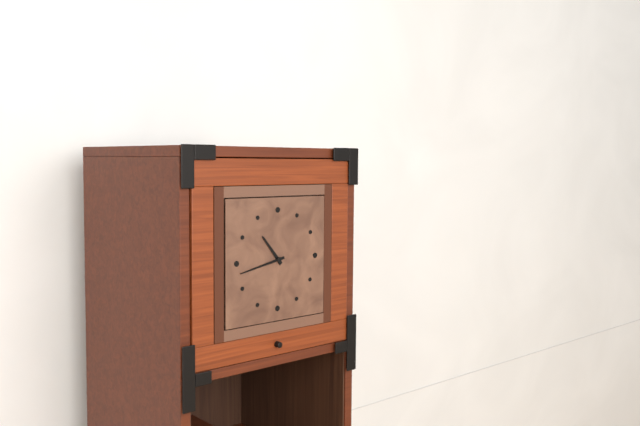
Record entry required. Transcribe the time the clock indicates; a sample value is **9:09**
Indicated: **10:43**
